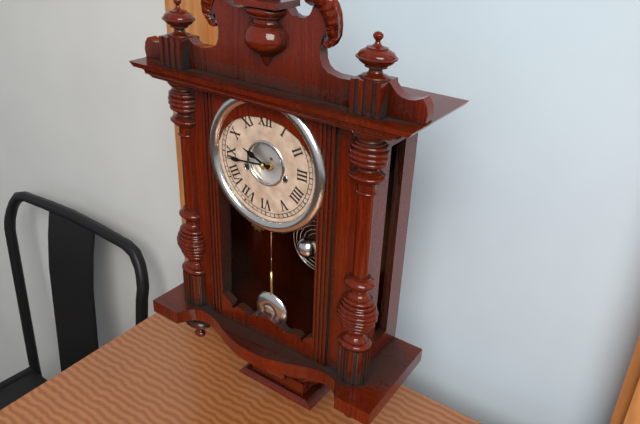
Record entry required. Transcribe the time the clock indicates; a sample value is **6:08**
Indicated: **9:44**
